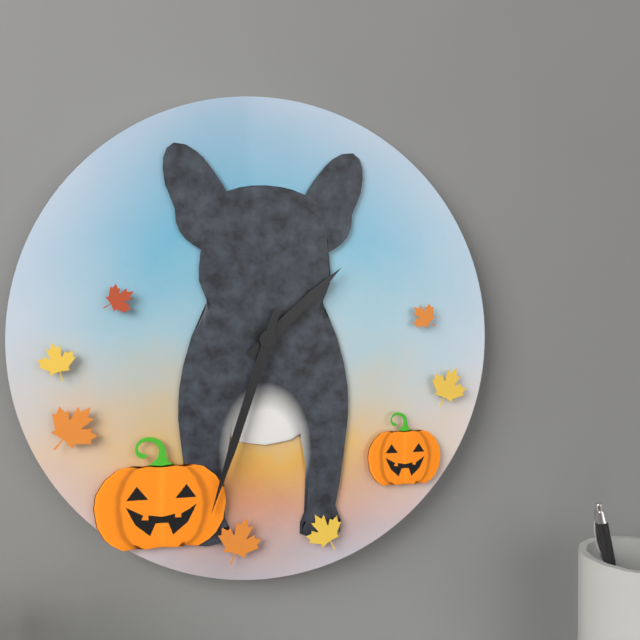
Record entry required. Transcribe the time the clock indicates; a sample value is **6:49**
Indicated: **1:33**
